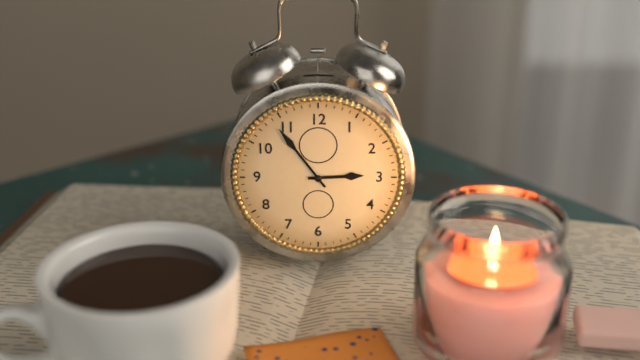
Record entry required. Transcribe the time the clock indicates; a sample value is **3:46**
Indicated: **2:54**
